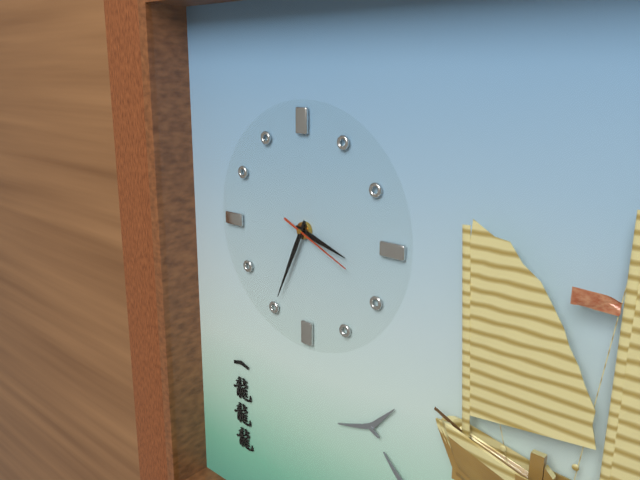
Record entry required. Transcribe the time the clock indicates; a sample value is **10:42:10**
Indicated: **3:34:19**
